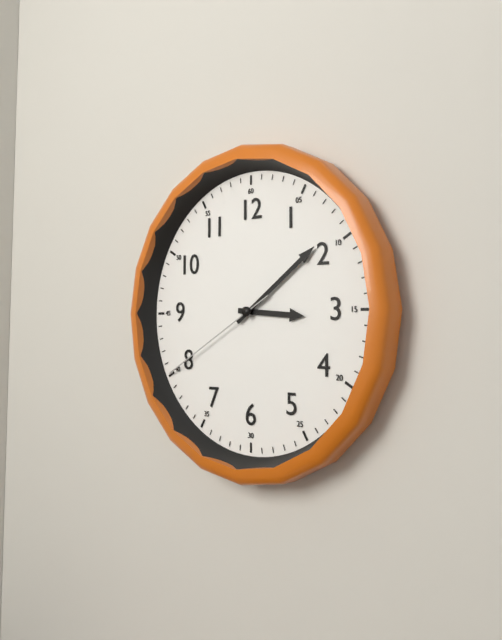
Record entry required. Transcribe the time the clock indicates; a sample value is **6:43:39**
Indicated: **3:09:40**
